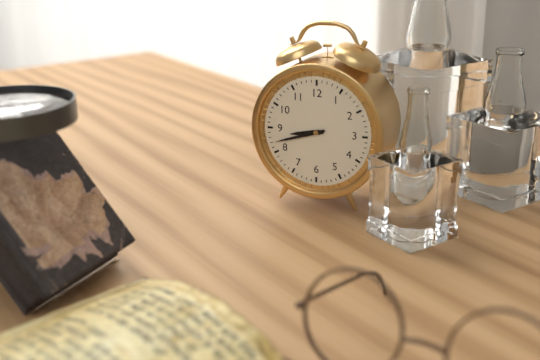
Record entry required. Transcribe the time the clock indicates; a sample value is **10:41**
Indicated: **8:42**
